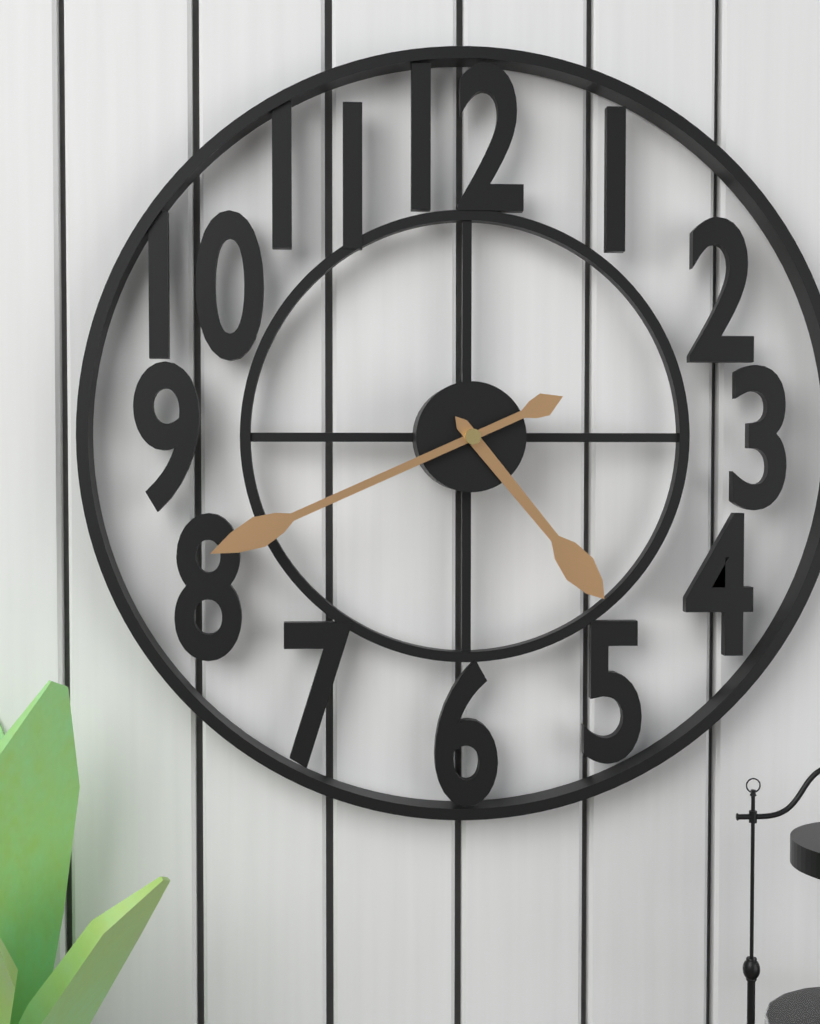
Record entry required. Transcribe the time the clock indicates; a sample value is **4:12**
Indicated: **4:41**
